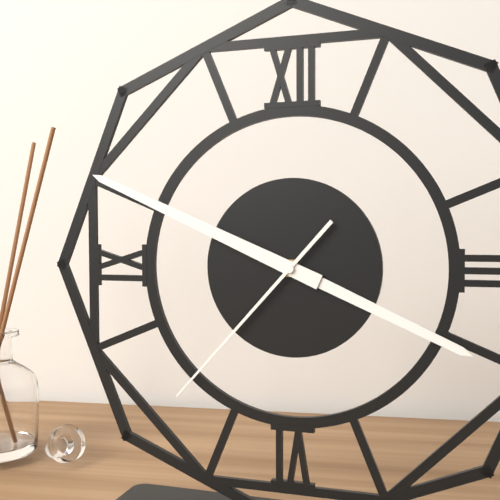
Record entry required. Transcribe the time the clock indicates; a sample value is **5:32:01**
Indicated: **3:49:37**
